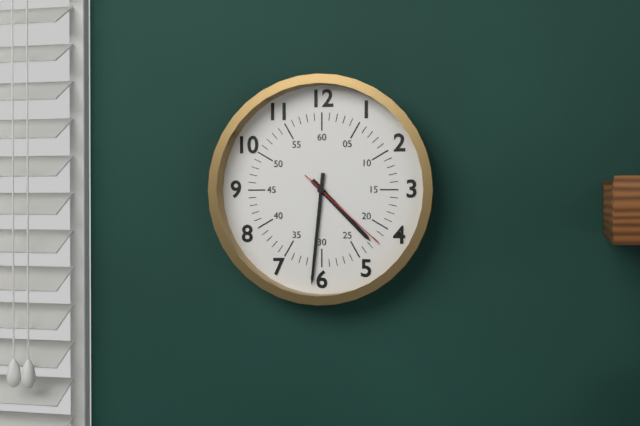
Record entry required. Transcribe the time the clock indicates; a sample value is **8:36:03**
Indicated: **4:31:22**
